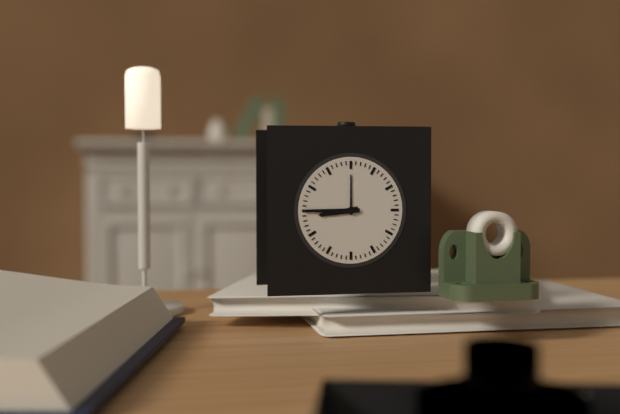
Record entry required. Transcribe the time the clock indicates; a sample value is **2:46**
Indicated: **8:45**
